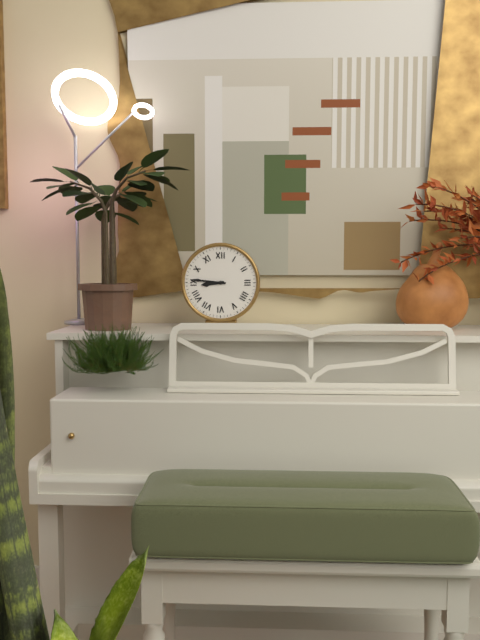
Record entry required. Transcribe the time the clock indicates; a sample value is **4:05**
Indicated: **8:46**
